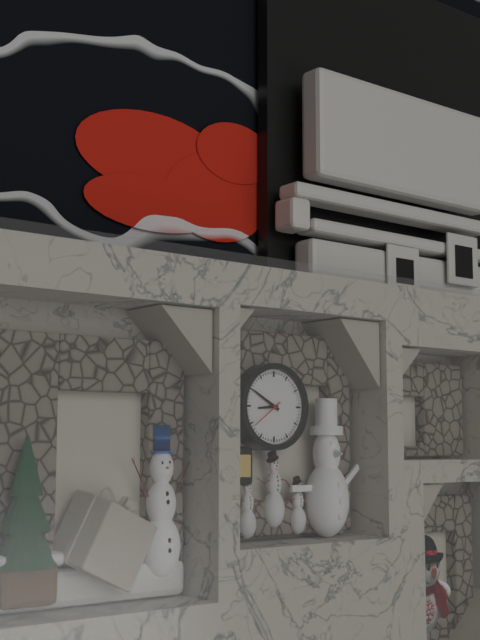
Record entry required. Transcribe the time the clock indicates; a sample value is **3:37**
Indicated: **8:50**
